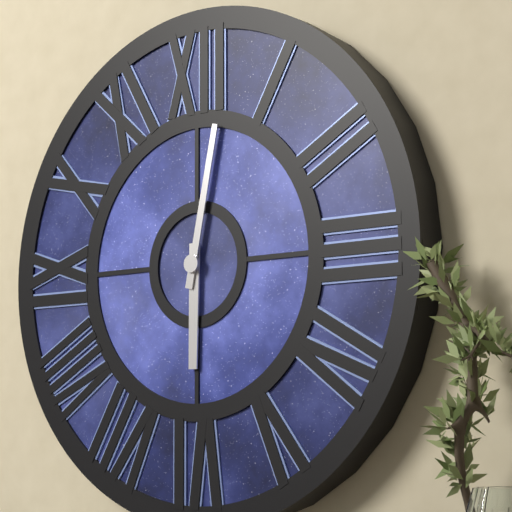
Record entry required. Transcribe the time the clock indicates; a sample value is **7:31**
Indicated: **6:02**
